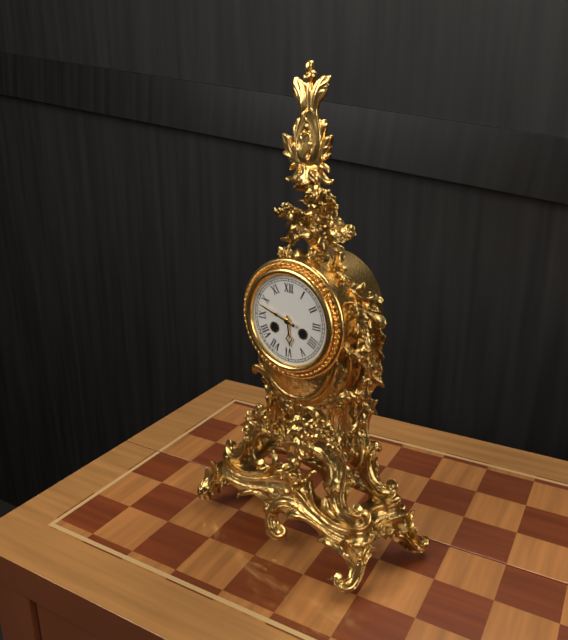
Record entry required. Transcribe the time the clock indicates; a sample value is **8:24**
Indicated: **5:48**
